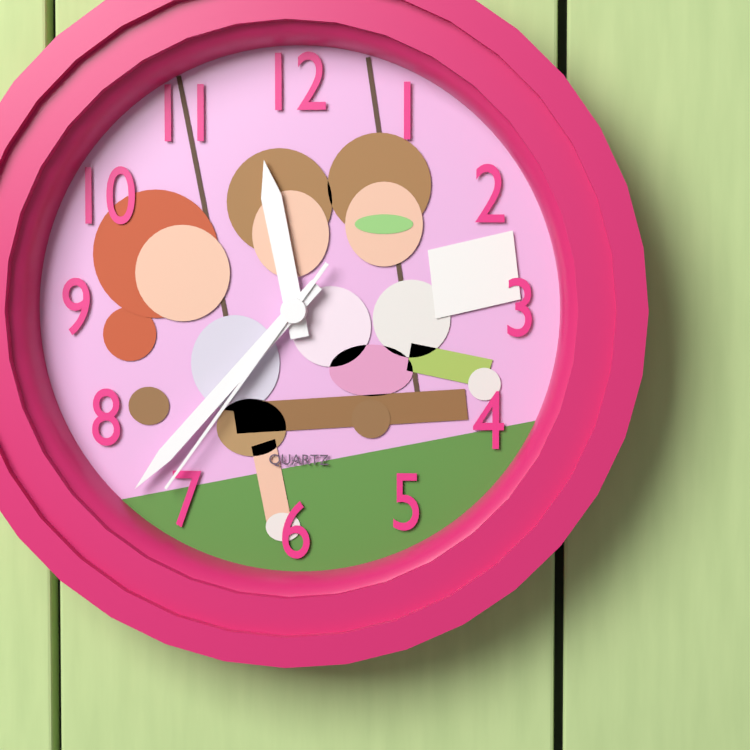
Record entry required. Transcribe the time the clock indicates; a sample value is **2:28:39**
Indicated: **11:37:36**
